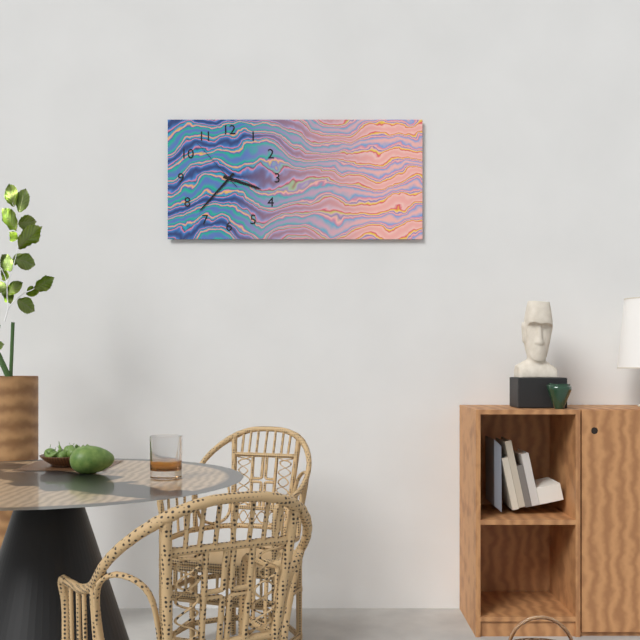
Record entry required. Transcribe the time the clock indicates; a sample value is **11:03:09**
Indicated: **3:37:53**
